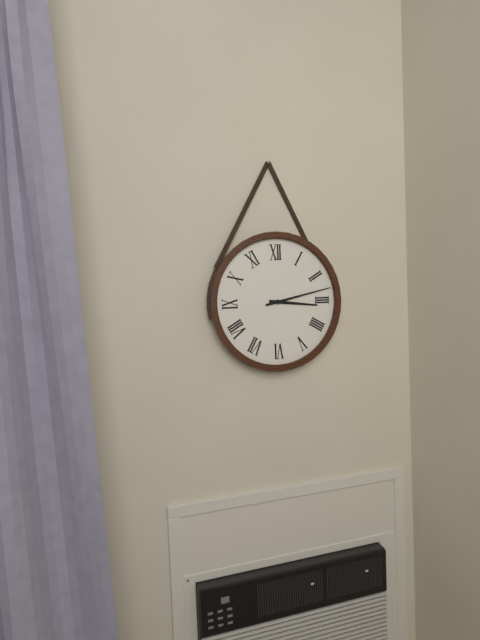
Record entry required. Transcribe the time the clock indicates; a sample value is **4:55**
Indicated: **3:13**
